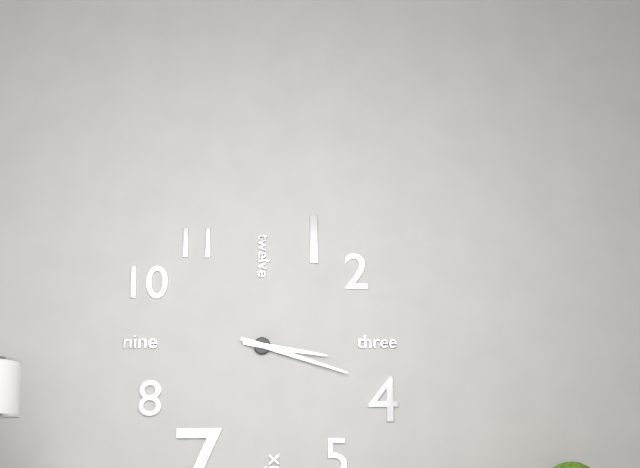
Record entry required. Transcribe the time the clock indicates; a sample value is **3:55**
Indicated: **3:18**
